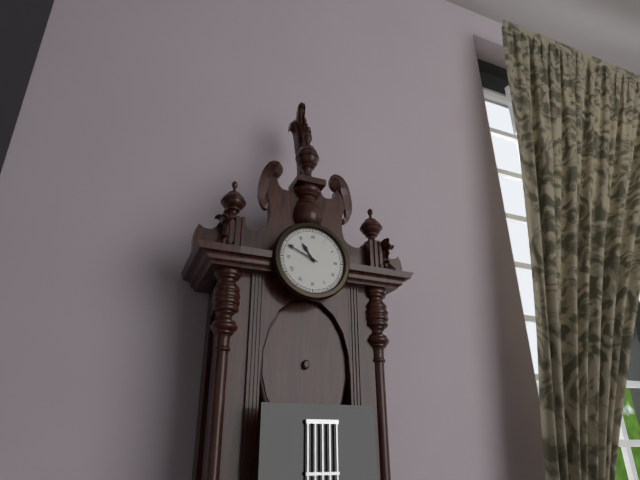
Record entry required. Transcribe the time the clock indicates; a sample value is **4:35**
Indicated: **10:49**
